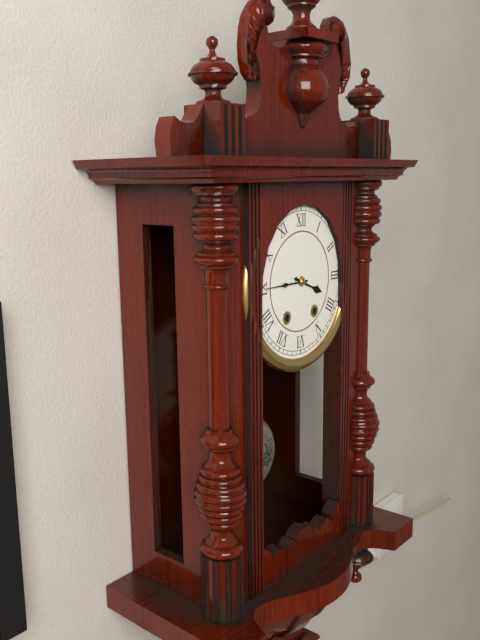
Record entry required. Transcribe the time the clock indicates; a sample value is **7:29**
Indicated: **3:45**
